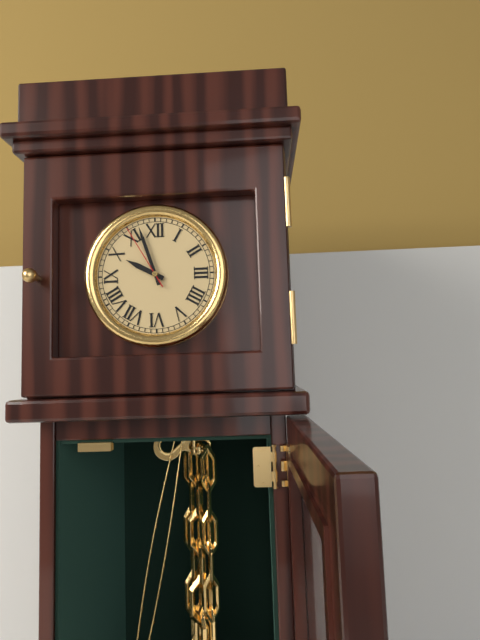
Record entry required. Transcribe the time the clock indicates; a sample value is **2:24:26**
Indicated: **9:57:55**
